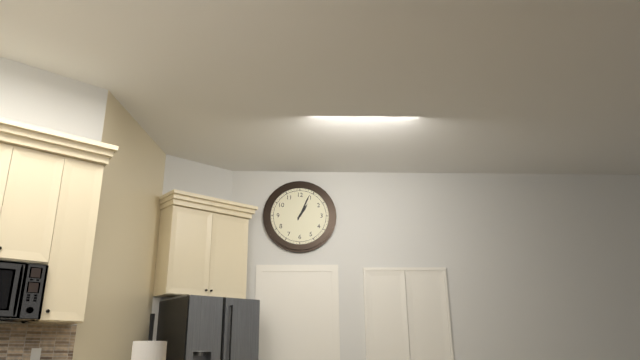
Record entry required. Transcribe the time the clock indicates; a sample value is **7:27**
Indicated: **1:04**
